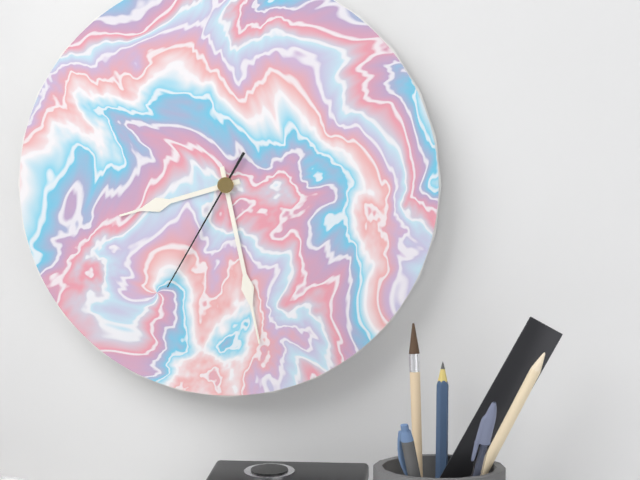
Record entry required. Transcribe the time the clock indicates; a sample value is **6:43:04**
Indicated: **8:28:35**
